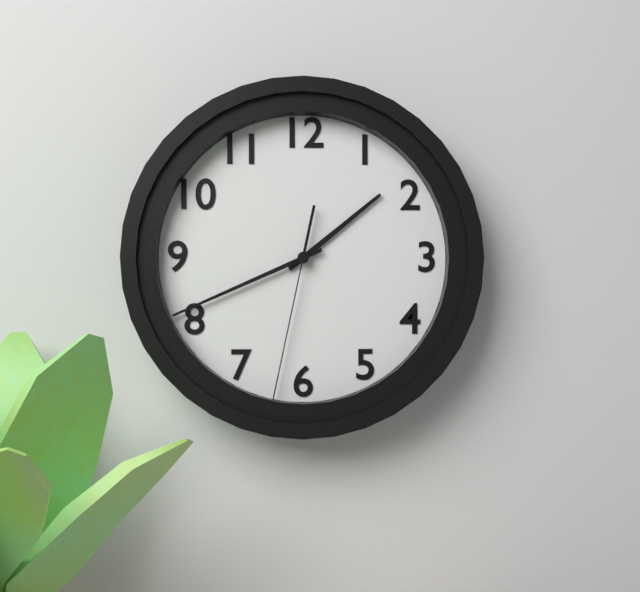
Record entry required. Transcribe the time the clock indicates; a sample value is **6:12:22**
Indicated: **1:41:32**
